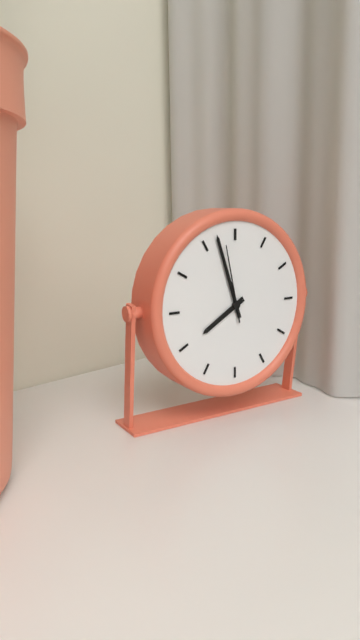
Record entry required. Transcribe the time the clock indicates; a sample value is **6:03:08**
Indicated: **7:57:58**
